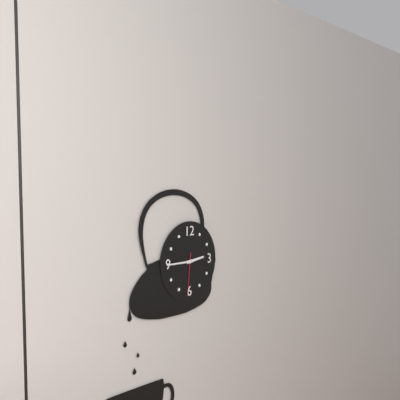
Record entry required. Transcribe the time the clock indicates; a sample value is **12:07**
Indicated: **2:45**
